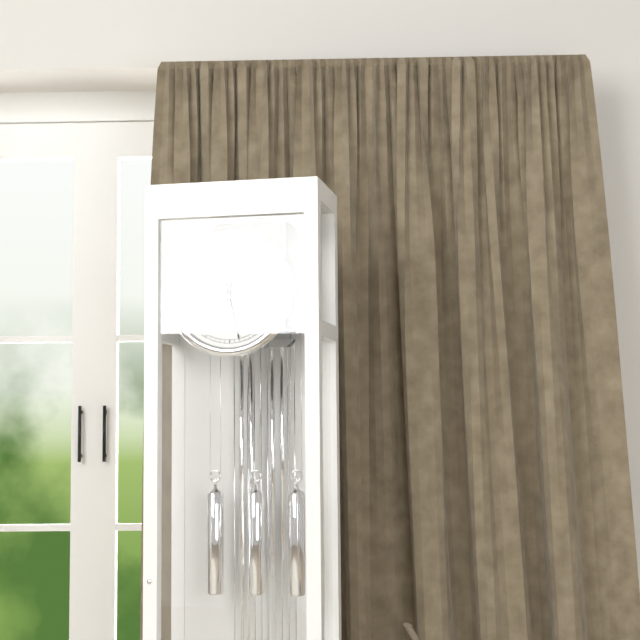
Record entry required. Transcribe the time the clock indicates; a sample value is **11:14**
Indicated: **12:28**
